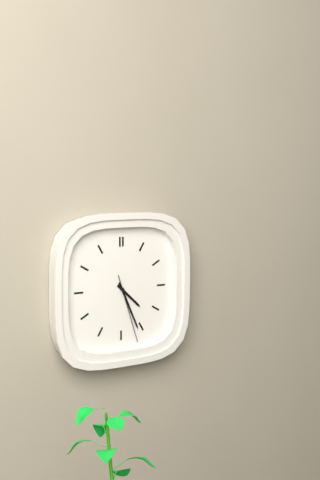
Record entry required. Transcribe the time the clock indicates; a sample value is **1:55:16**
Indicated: **4:26:27**
